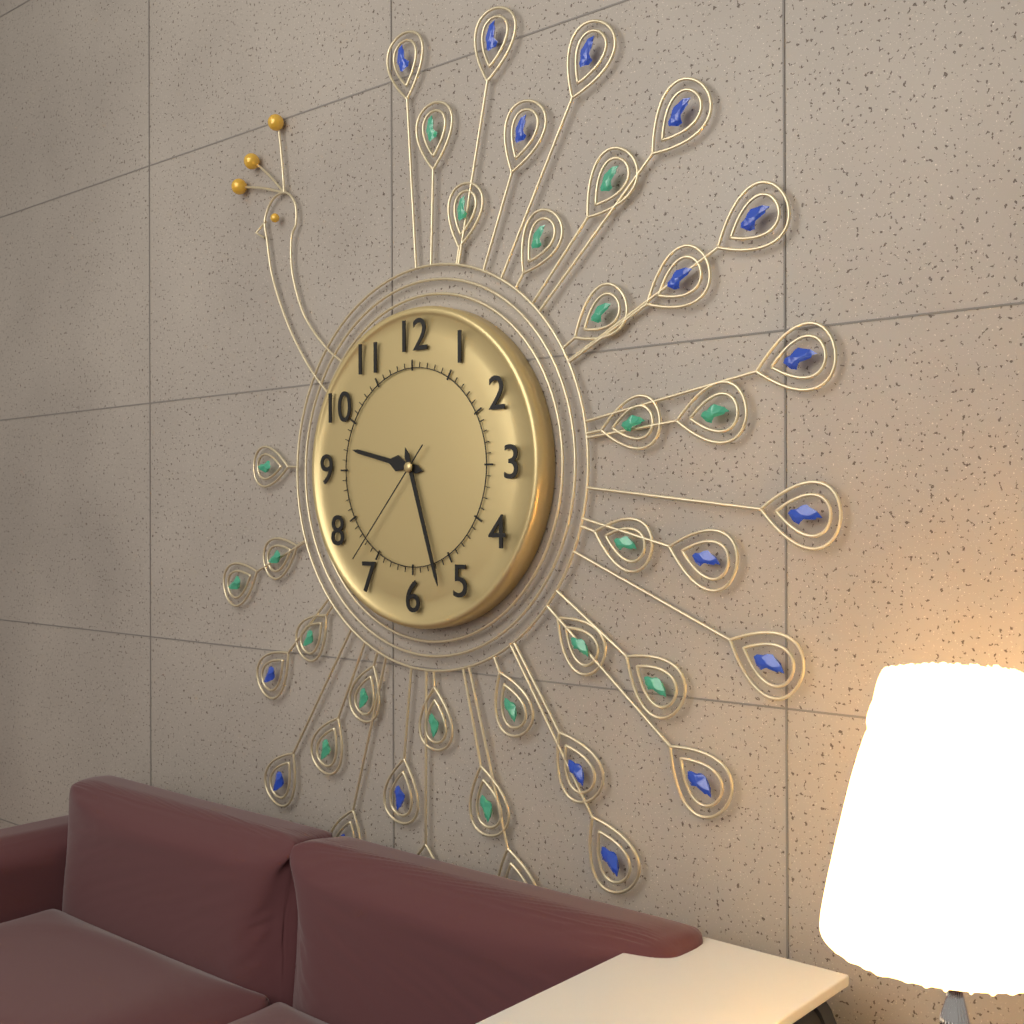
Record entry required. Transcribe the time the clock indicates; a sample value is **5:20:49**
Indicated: **9:27:37**
